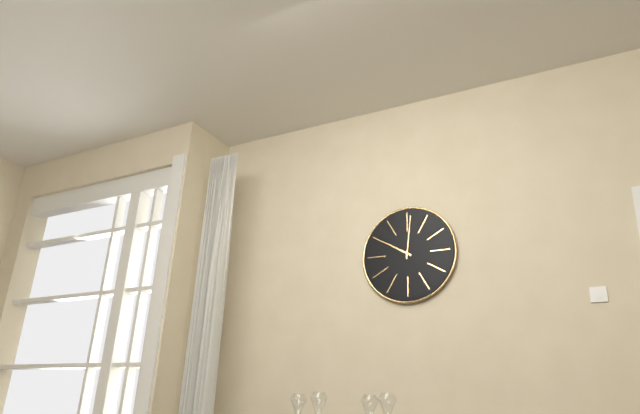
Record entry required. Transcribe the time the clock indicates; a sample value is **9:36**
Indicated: **10:01**
